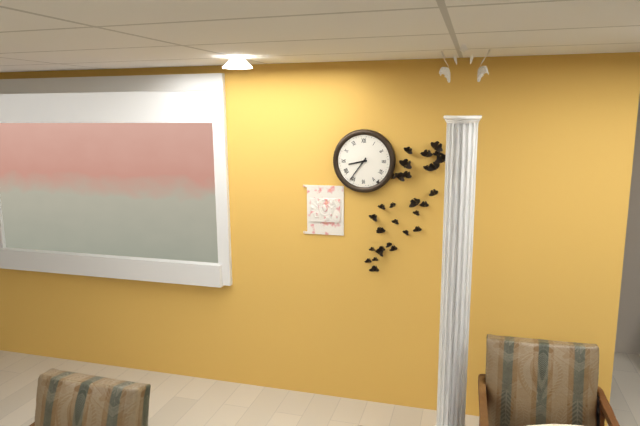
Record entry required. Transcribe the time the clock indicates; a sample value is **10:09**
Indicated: **8:36**
